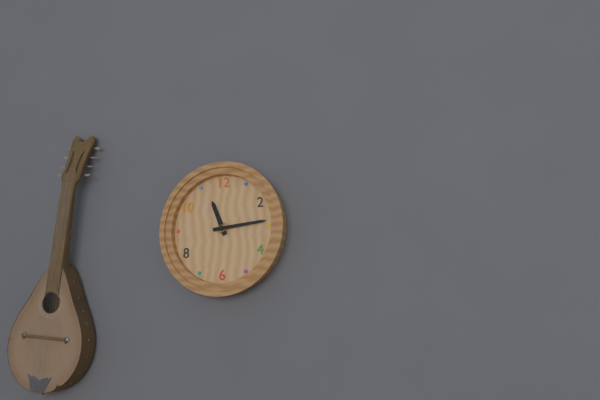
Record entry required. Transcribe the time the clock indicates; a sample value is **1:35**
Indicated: **11:14**
